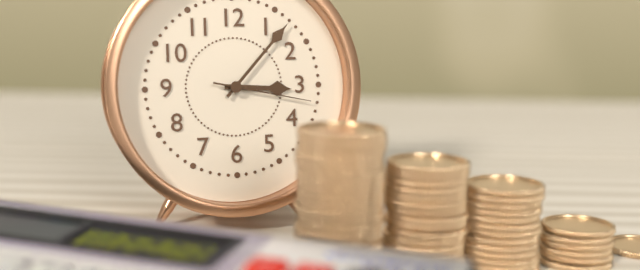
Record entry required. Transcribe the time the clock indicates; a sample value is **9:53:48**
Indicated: **3:07:17**
